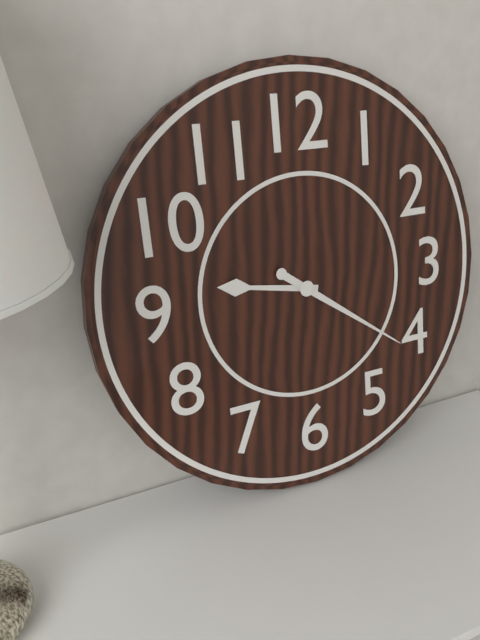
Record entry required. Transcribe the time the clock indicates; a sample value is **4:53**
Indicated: **9:21**
